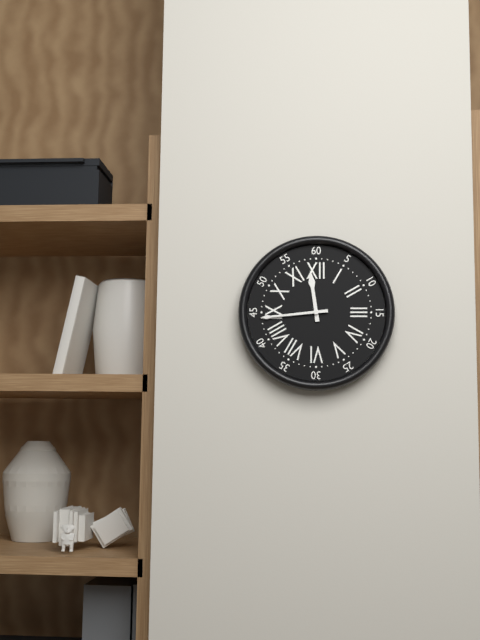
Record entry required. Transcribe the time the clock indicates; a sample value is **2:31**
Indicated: **11:44**
